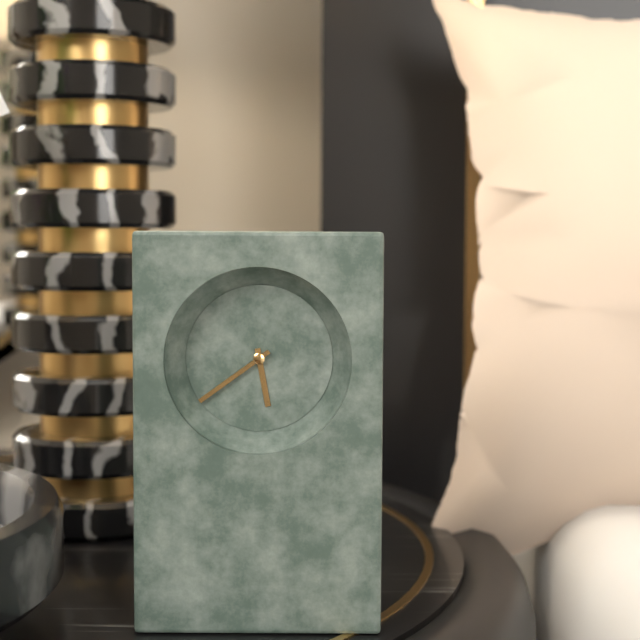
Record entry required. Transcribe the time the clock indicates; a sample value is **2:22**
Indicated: **5:39**
